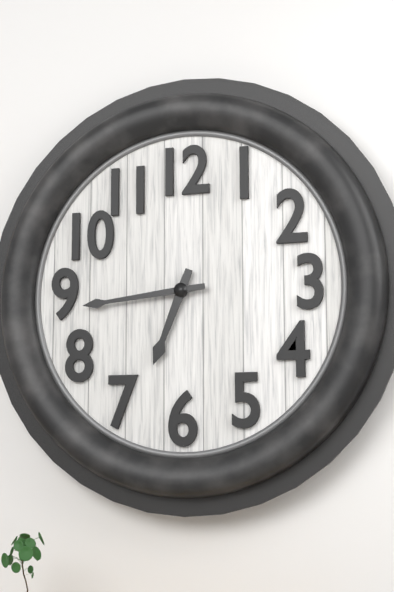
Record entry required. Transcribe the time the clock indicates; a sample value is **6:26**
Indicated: **6:44**
